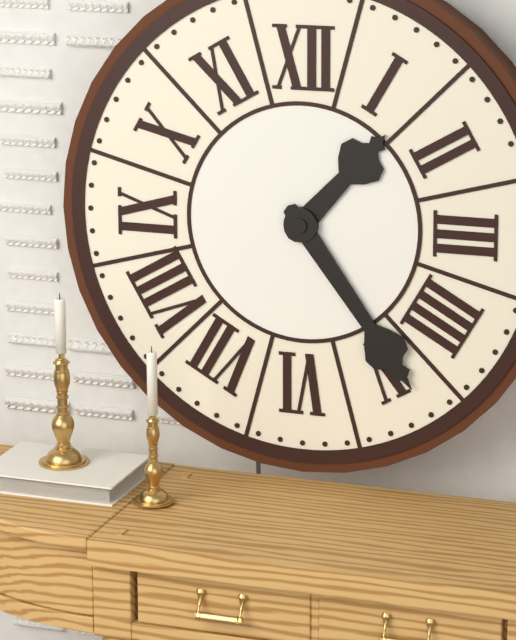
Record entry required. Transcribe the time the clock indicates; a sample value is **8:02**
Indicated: **1:24**
